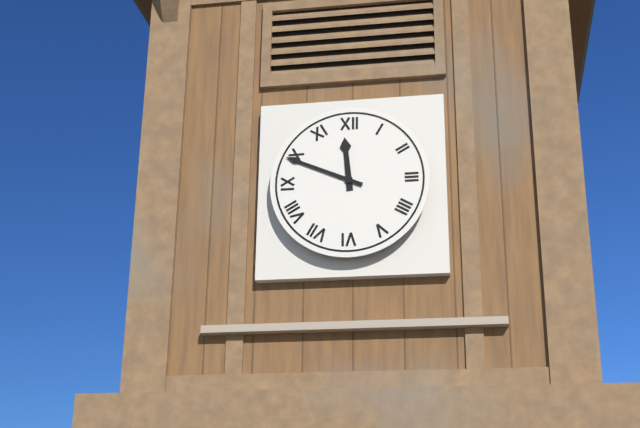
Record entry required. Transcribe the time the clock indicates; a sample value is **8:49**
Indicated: **11:49**
